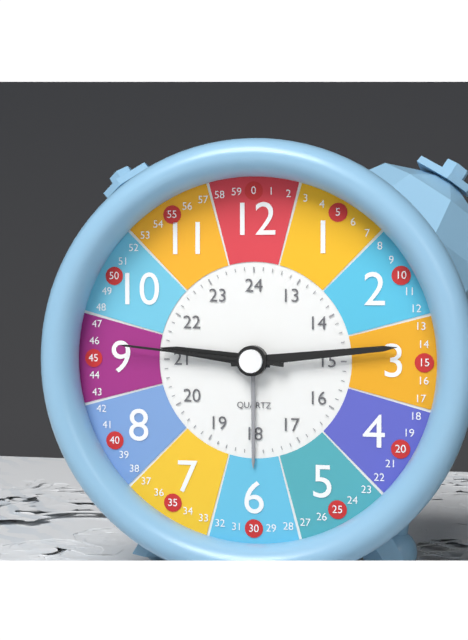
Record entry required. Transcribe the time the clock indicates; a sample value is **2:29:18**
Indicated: **9:14:46**
